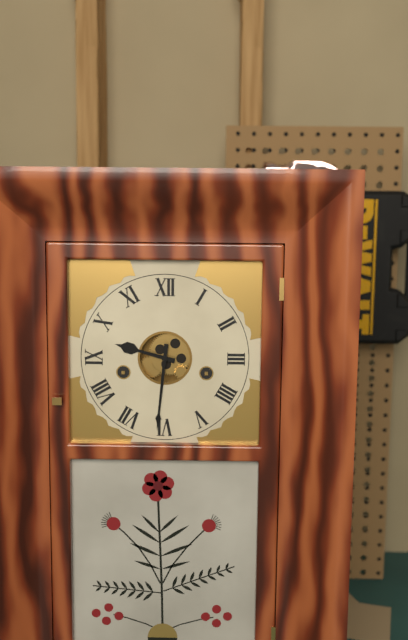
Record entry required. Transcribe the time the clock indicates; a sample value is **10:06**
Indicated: **9:31**
